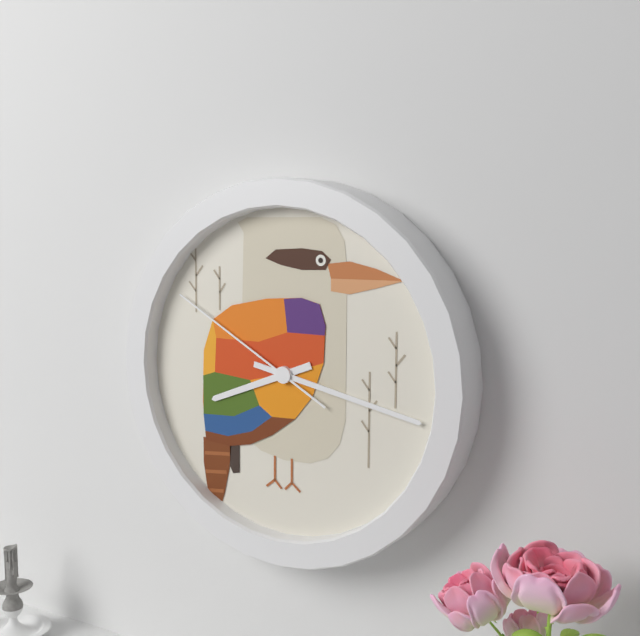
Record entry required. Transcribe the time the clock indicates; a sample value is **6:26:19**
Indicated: **8:17:50**
